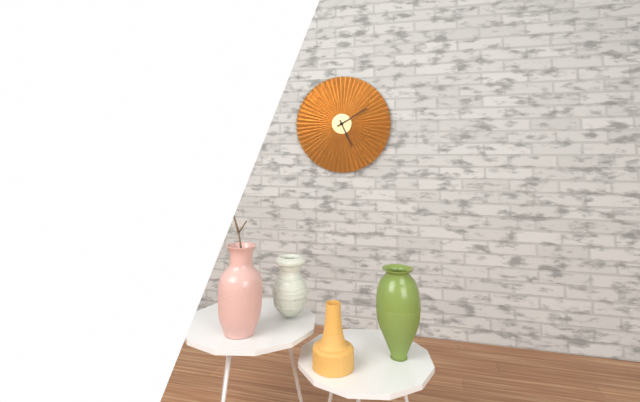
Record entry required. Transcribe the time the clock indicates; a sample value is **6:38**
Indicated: **5:10**
